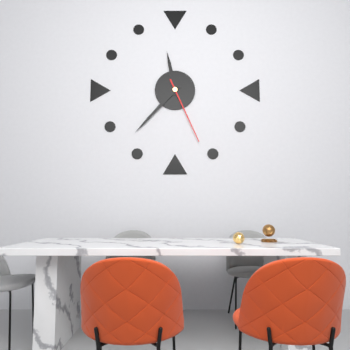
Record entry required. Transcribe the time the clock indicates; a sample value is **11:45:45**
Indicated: **11:37:26**
